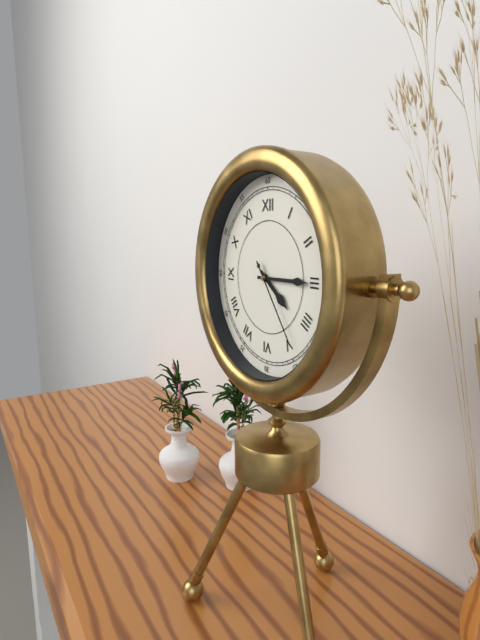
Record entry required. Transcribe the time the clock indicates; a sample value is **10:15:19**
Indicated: **4:15:24**
